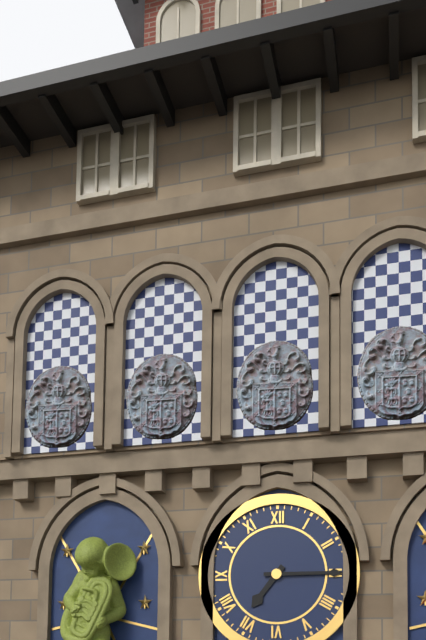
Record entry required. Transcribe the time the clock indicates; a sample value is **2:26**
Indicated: **7:15**
